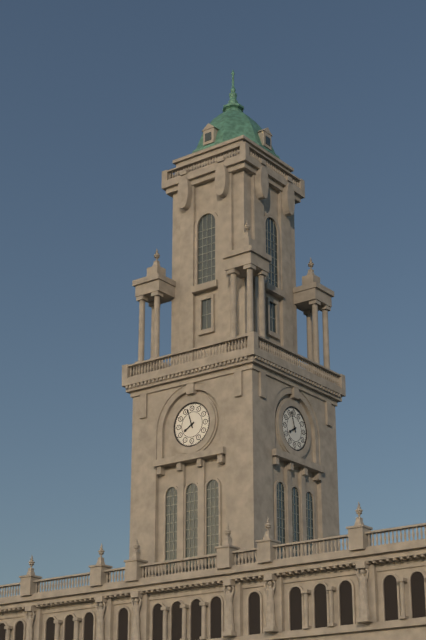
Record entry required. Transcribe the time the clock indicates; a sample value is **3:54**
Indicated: **7:57**
